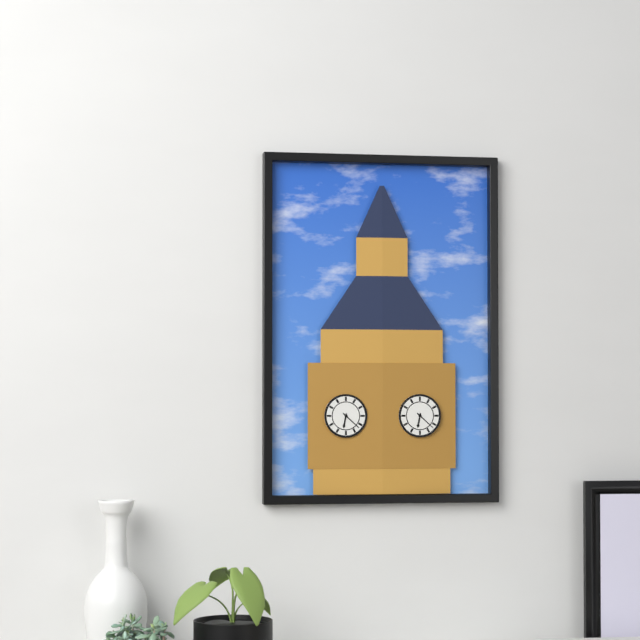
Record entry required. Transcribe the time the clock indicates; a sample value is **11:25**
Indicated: **6:22**
